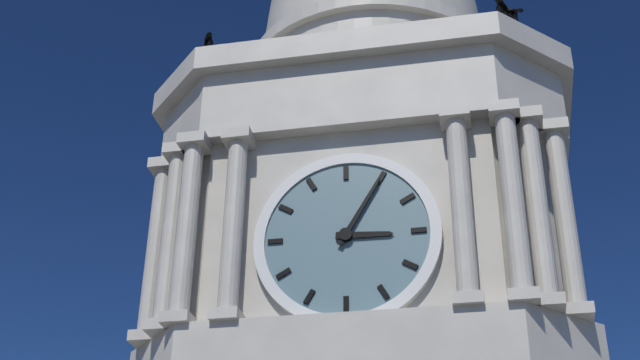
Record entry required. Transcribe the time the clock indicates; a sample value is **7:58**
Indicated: **3:05**
